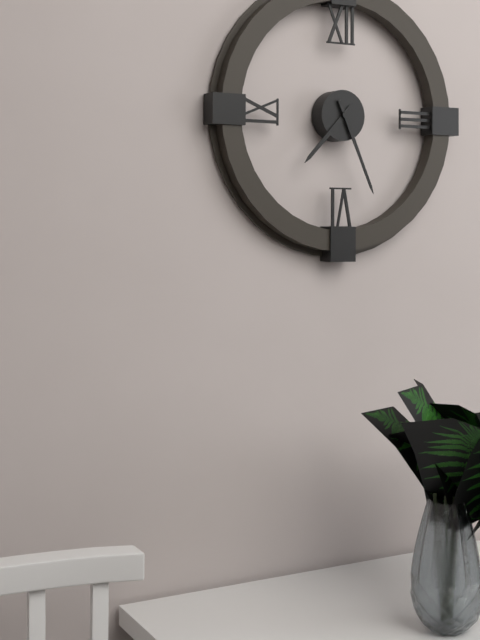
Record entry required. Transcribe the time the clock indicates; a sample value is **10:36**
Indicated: **7:26**
